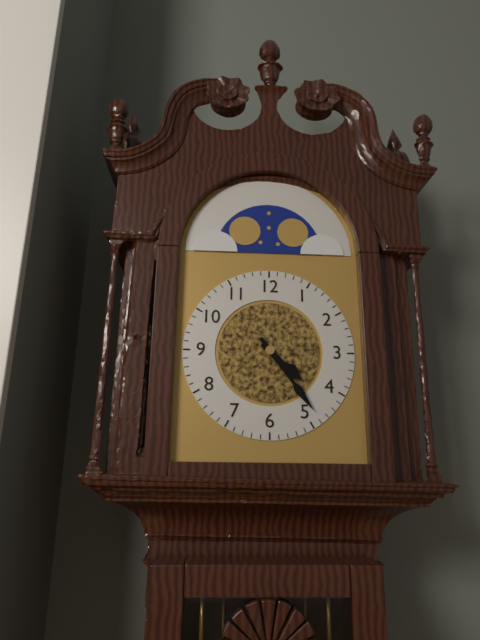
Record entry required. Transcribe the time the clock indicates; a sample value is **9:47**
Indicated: **4:24**
